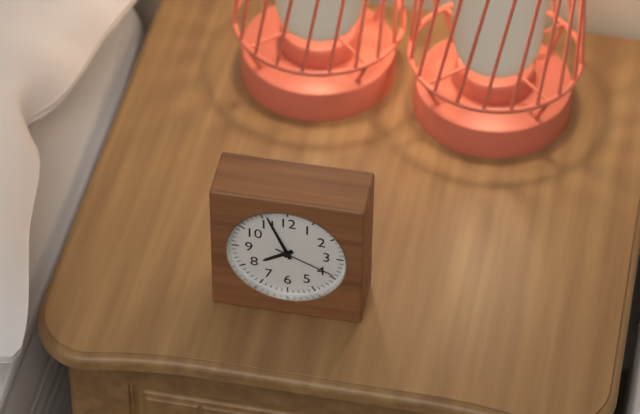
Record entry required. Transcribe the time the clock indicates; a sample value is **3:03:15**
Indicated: **7:56:19**
